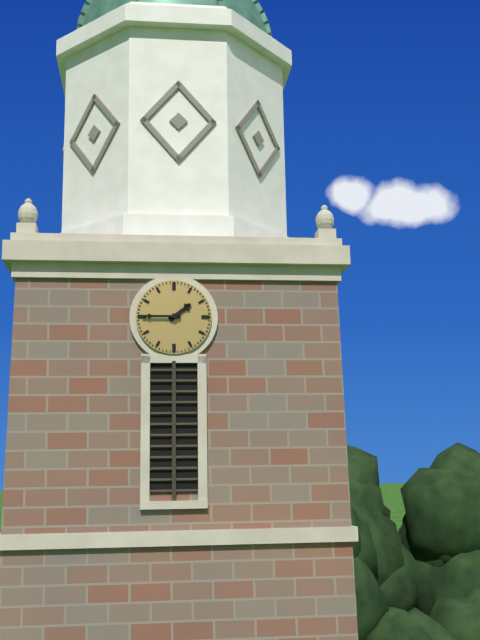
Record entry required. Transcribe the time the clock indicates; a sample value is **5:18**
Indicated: **1:45**
